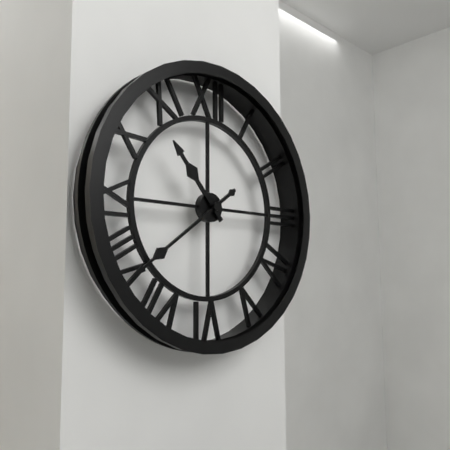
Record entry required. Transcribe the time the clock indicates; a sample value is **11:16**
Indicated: **10:39**
